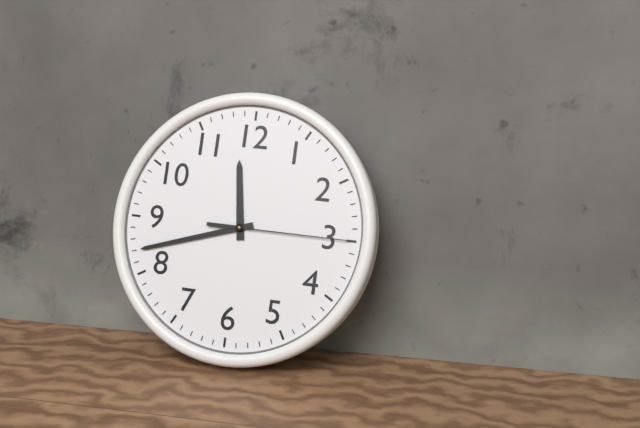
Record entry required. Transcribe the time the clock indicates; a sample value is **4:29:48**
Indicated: **11:42:15**
